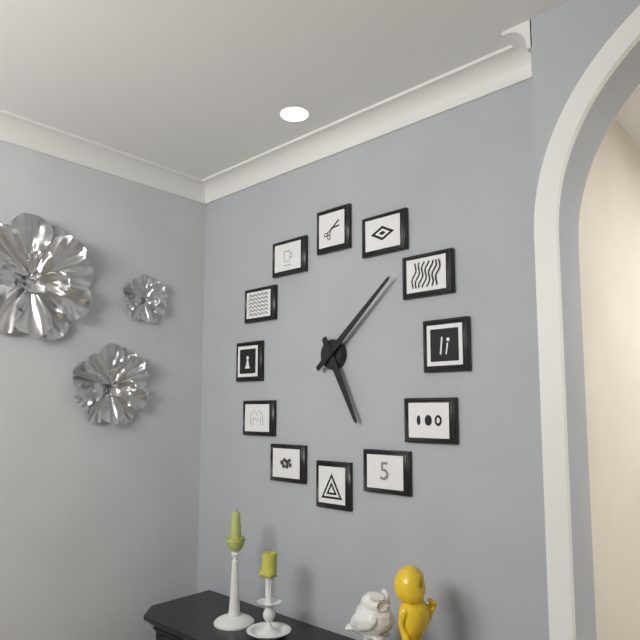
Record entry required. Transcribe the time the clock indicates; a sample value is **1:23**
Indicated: **5:08**
